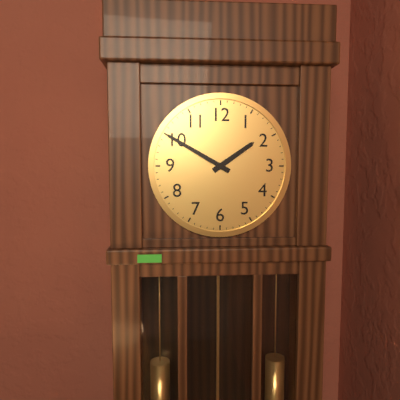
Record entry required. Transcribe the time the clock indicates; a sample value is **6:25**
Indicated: **1:50**
